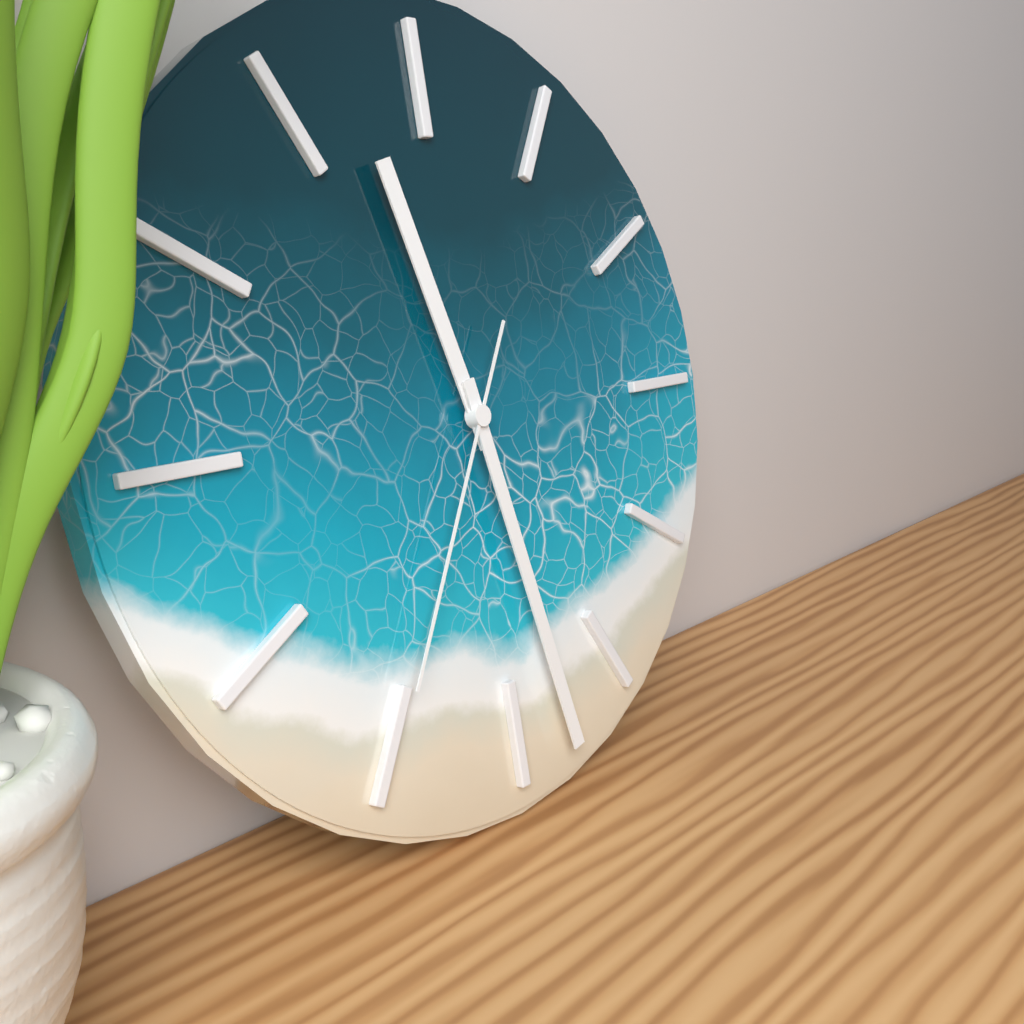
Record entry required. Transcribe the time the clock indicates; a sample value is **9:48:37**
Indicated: **11:28:35**
